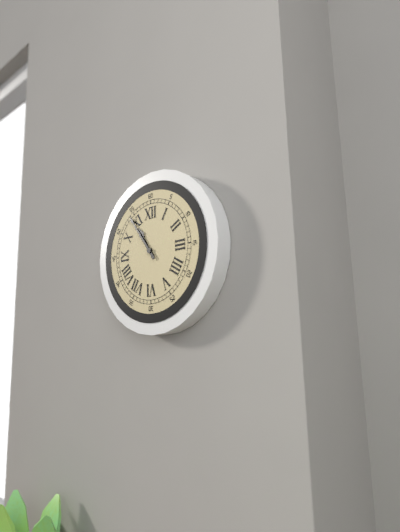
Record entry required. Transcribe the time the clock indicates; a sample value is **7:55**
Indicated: **10:54**
